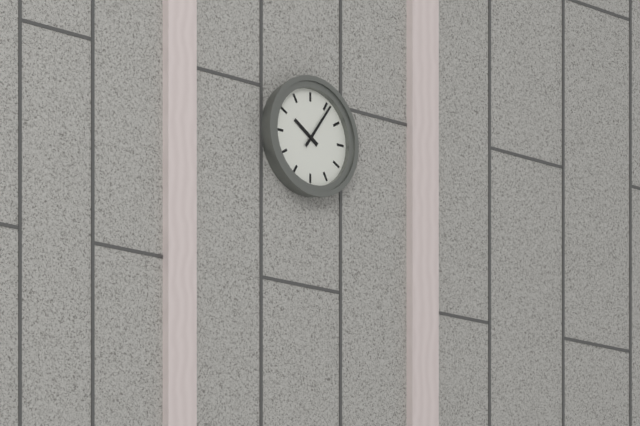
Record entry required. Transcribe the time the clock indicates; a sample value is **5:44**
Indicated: **10:06**
